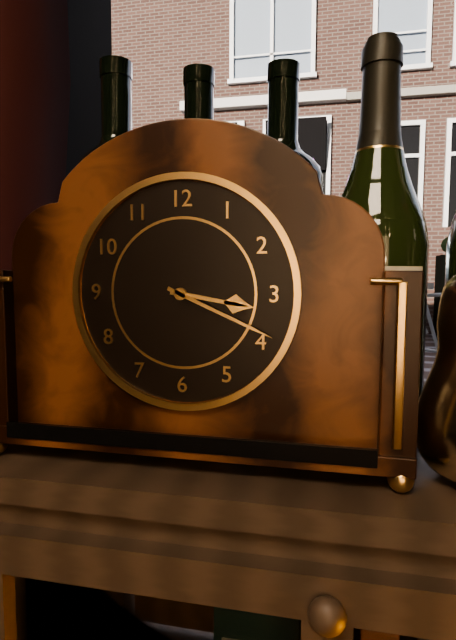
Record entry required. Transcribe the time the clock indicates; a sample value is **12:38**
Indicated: **3:19**
